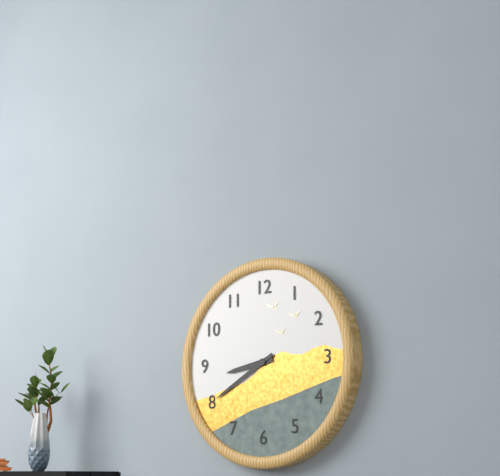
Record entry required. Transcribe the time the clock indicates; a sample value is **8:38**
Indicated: **8:40**
